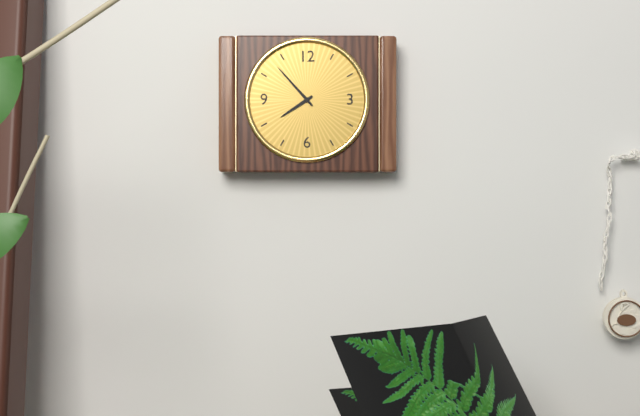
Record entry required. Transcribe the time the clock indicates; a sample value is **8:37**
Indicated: **7:53**
